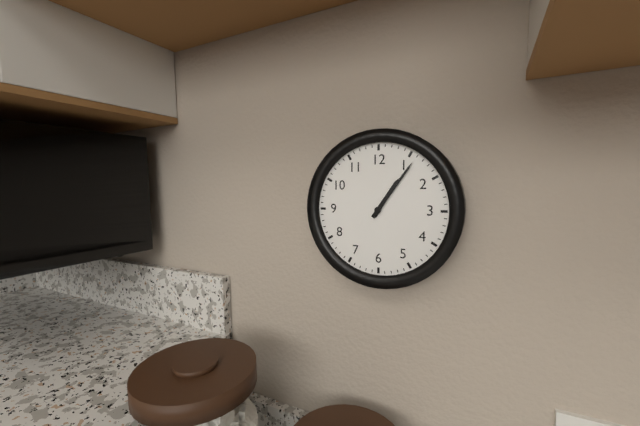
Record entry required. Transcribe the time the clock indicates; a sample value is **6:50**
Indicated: **1:06**
